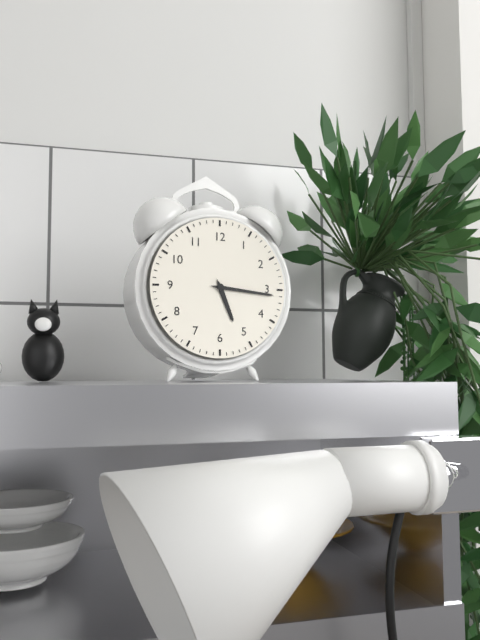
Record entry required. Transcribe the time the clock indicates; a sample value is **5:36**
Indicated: **5:16**
